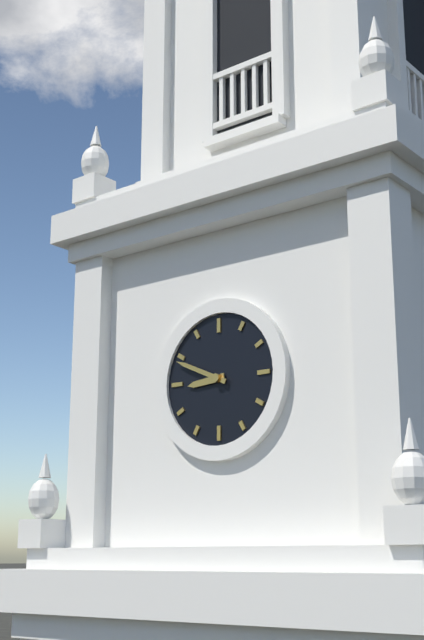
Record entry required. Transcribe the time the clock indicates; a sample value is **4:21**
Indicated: **8:49**
